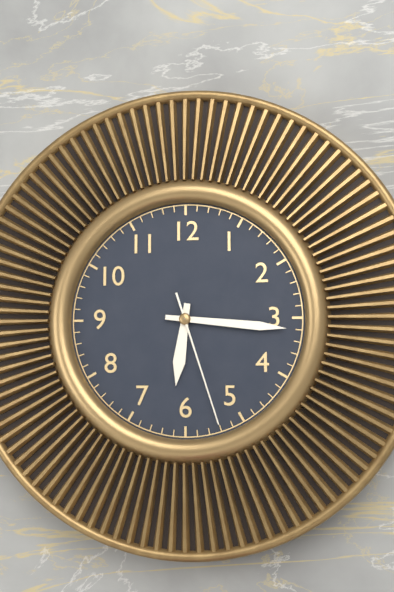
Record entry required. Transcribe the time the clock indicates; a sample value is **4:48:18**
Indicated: **6:16:27**
